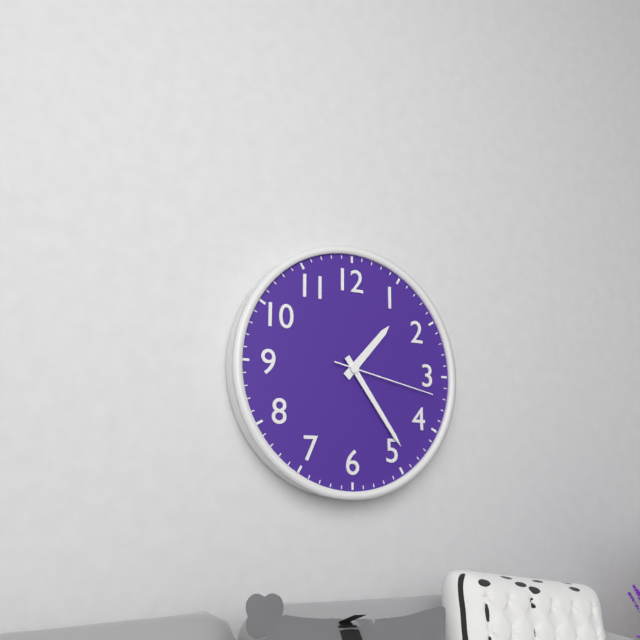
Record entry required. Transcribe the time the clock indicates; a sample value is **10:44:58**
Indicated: **1:24:17**
